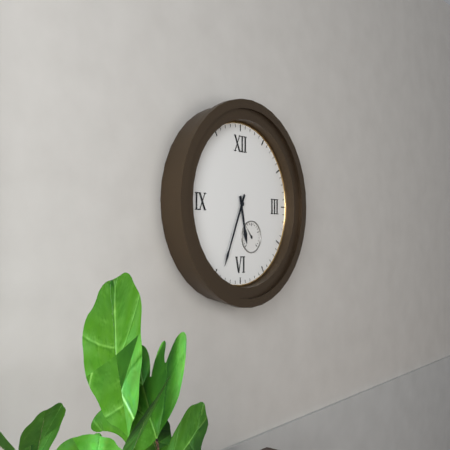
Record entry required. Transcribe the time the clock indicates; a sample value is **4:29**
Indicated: **5:34**
